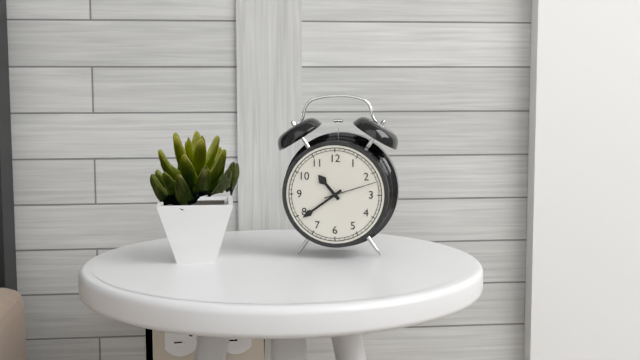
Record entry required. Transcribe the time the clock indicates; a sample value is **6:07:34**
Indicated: **10:39:12**
